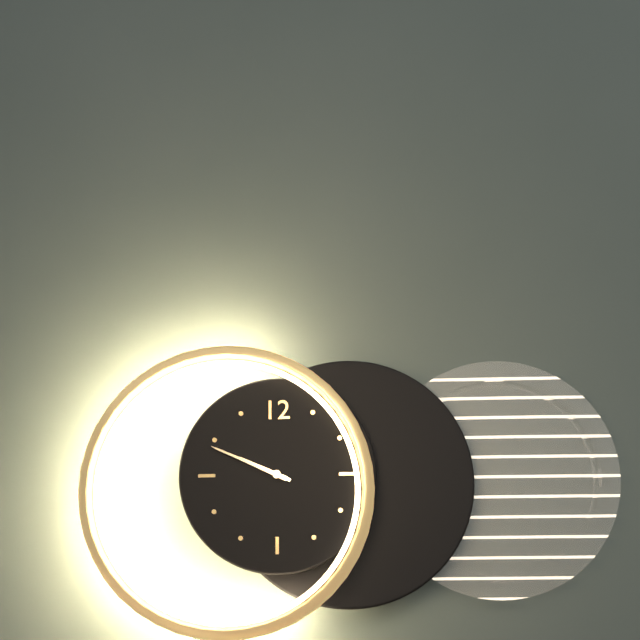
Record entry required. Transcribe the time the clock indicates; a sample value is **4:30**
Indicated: **9:49**
